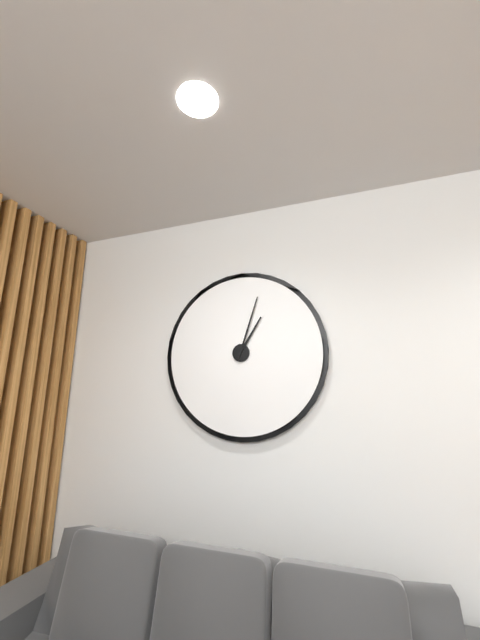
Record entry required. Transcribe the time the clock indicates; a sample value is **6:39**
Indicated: **1:03**
